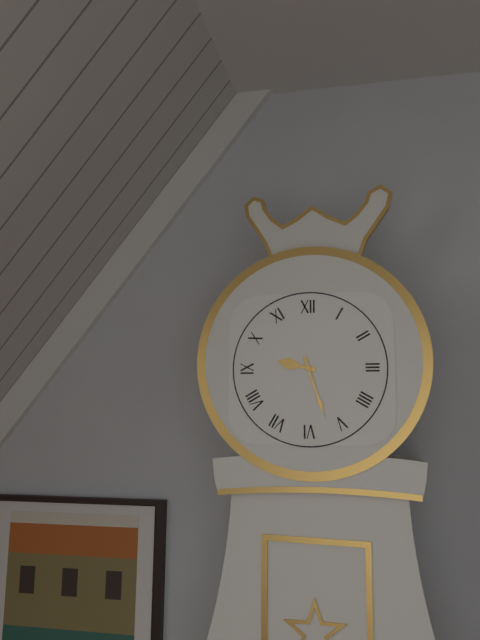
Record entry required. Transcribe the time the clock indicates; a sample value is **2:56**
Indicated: **9:27**
